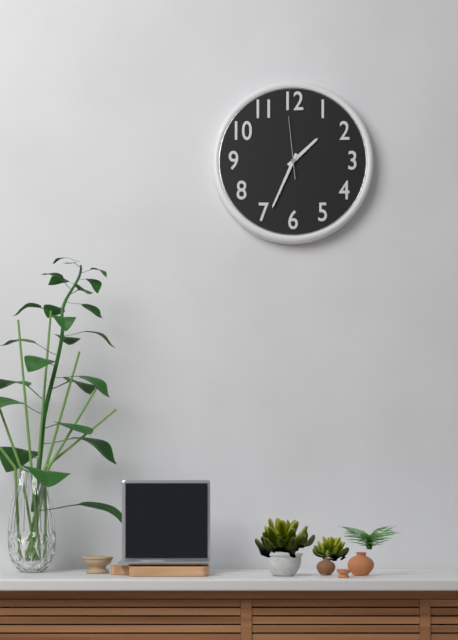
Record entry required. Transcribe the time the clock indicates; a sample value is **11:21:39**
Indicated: **1:34:59**
